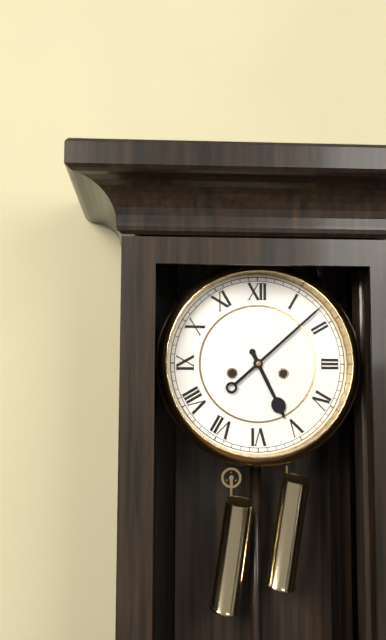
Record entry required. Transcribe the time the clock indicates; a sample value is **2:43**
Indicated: **5:08**
